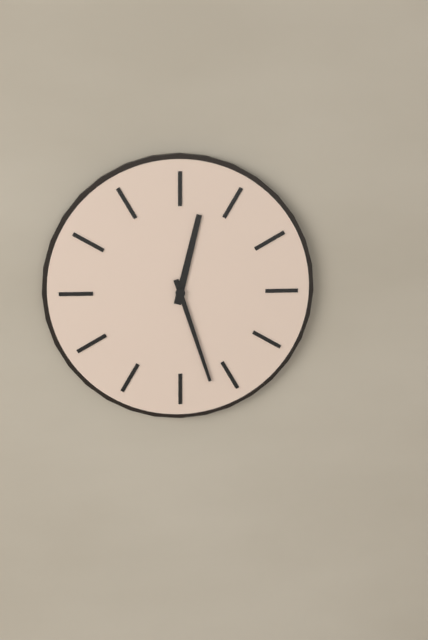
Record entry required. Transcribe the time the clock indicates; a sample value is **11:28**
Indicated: **12:27**
